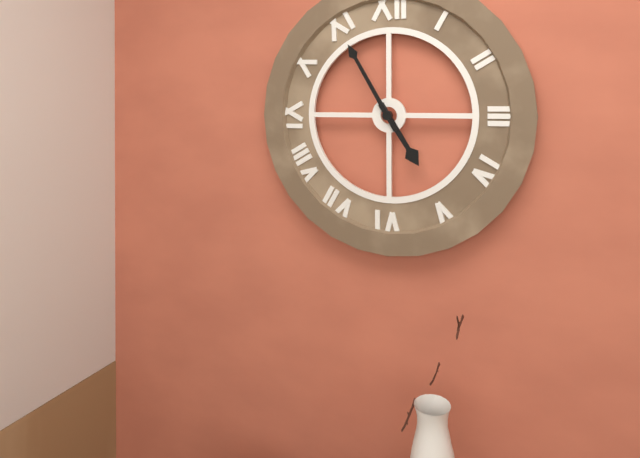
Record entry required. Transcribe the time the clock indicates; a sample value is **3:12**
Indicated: **4:55**
